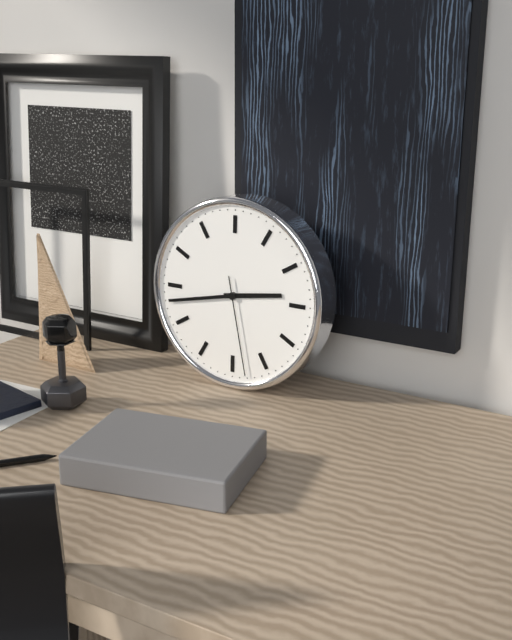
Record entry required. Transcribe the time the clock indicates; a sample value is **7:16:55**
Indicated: **2:43:28**
